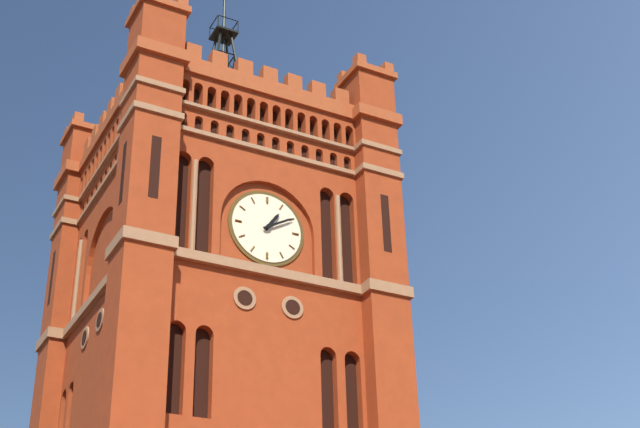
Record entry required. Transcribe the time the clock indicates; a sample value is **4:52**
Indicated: **1:10**
